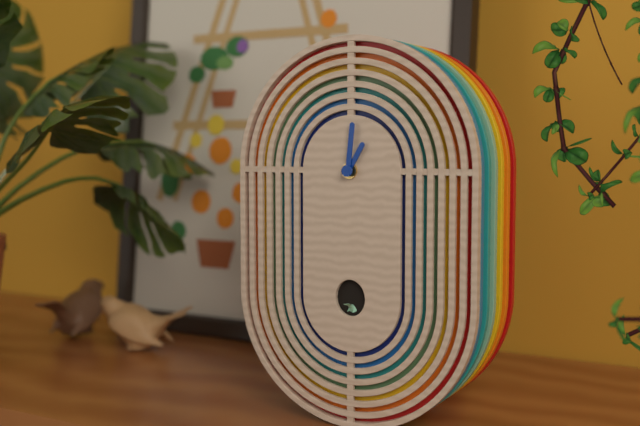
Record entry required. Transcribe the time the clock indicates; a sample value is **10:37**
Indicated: **1:01**
